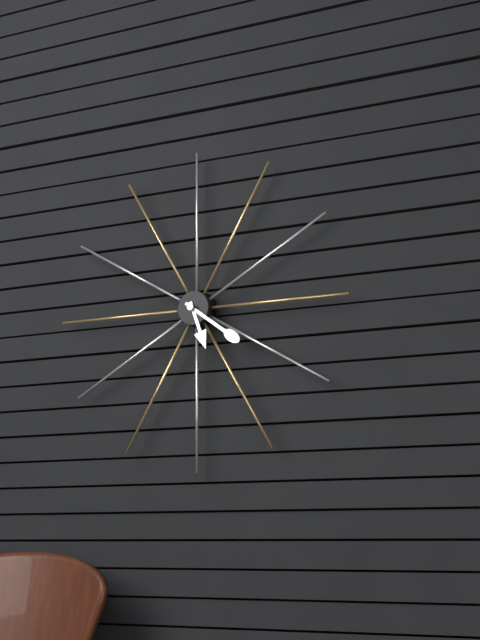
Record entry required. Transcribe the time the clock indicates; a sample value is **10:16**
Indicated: **5:21**
